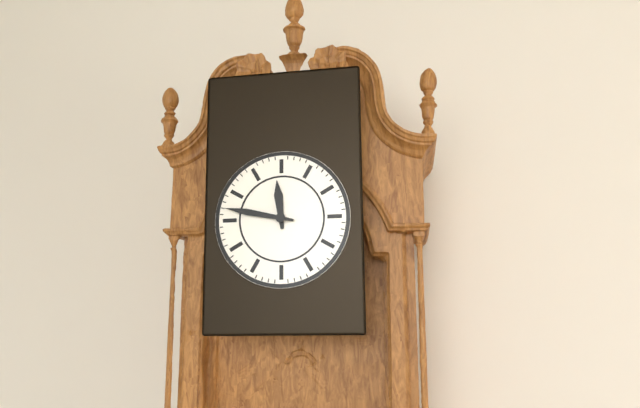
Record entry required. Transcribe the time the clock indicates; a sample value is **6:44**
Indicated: **11:47**
